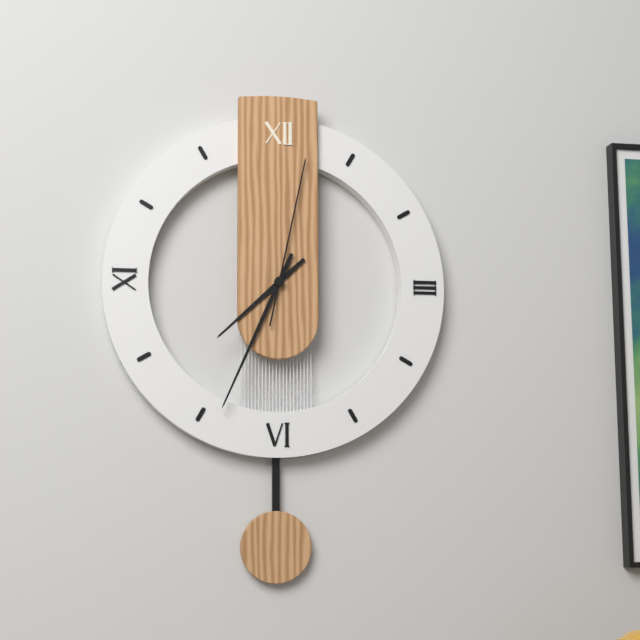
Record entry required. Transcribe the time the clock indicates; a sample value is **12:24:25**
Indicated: **7:34:02**
